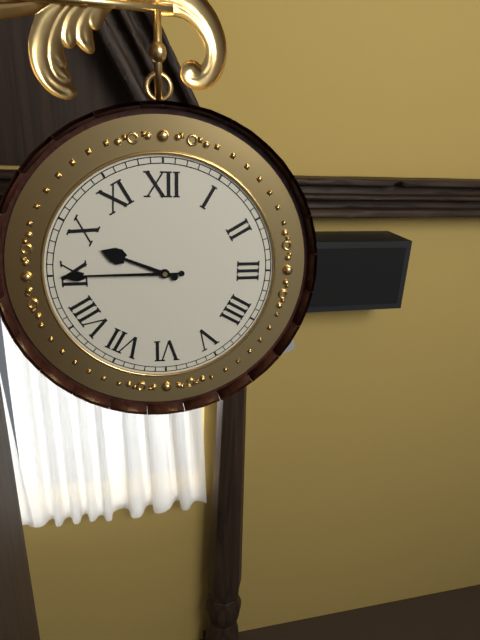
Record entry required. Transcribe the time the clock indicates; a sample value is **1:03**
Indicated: **9:45**
